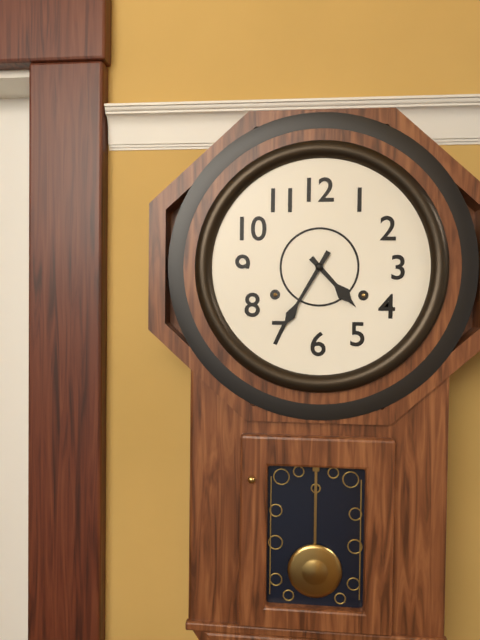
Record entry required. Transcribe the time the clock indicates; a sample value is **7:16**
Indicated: **4:35**
